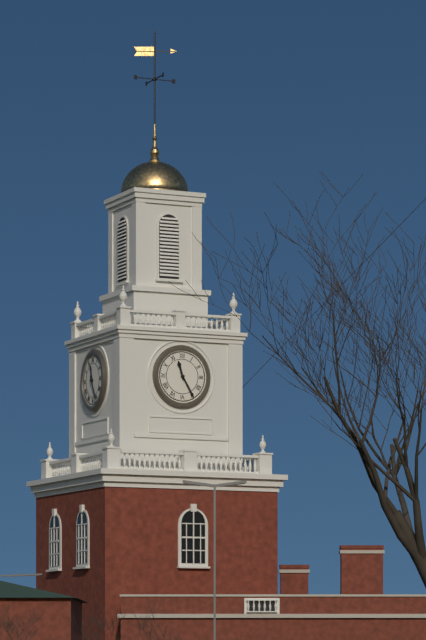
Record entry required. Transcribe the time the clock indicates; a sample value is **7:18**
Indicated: **11:25**
